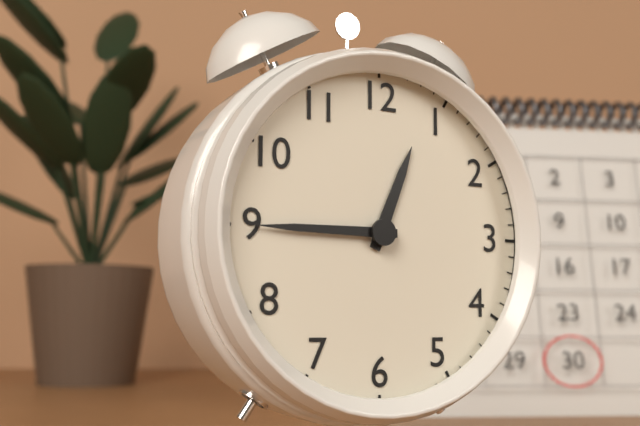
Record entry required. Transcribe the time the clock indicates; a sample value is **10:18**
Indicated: **12:45**
